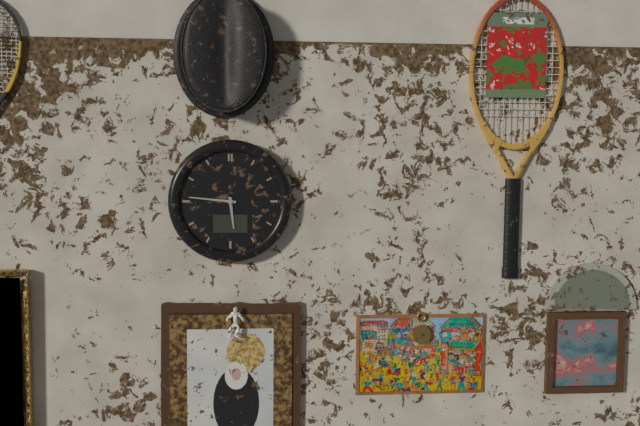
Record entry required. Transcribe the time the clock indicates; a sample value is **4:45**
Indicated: **5:46**
